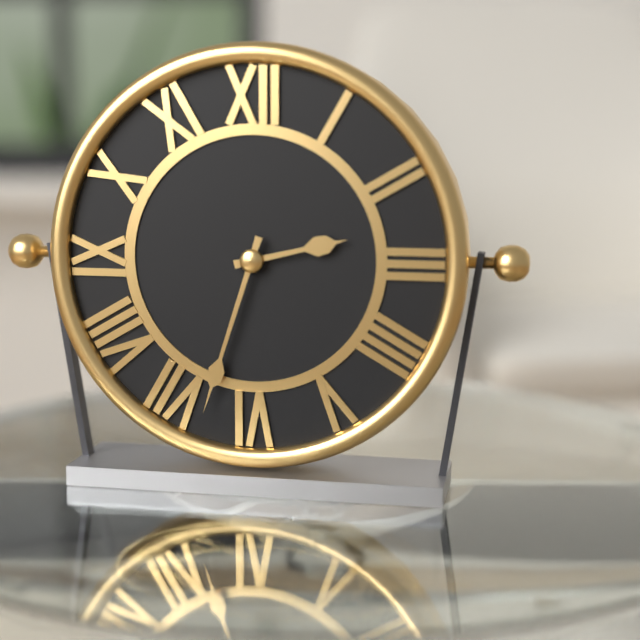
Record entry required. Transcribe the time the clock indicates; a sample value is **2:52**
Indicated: **2:33**
